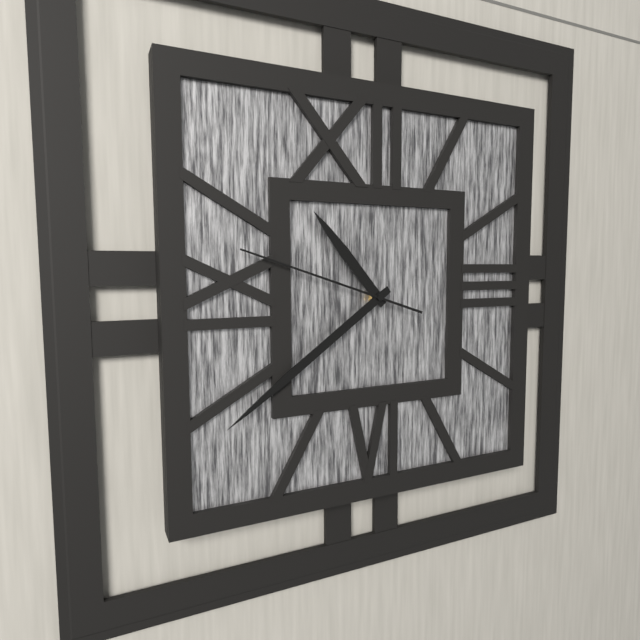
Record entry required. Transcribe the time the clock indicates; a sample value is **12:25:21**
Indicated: **10:39:48**
